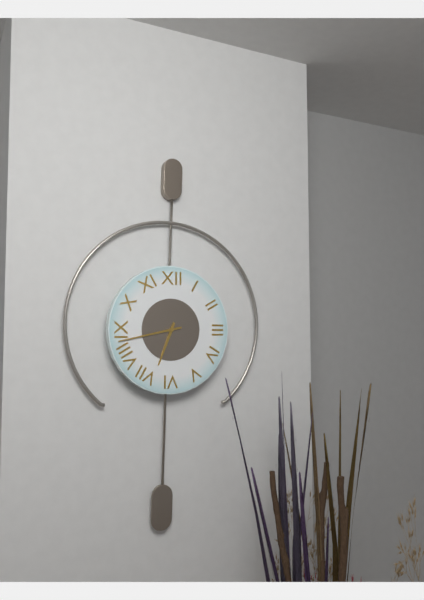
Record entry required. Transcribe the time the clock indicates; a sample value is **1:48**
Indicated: **6:43**
